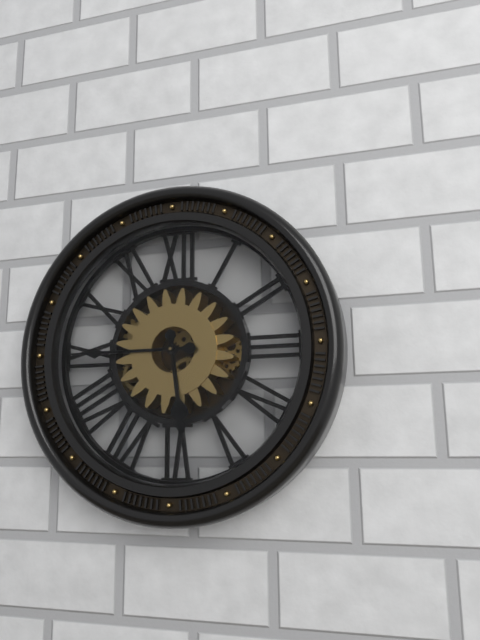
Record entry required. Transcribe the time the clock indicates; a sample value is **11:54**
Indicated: **5:45**
